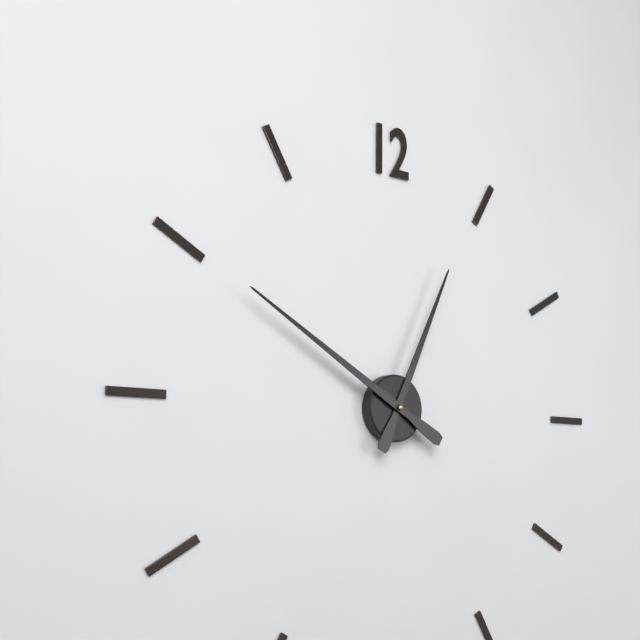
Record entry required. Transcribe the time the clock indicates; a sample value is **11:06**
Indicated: **12:50**
